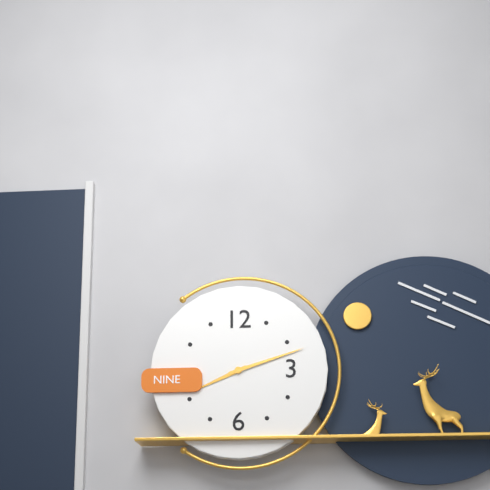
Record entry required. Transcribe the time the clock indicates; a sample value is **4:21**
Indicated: **8:12**
